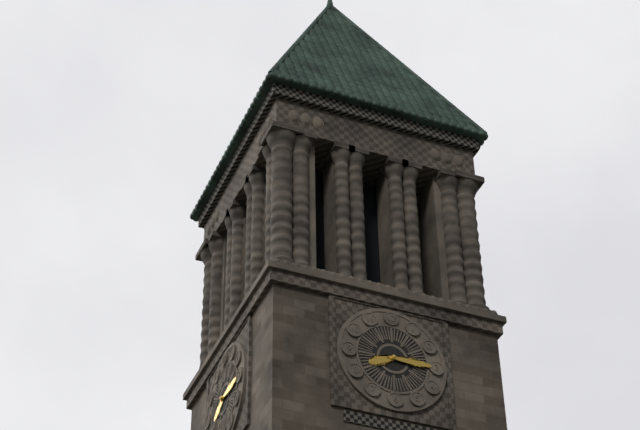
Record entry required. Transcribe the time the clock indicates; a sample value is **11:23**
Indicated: **8:15**
